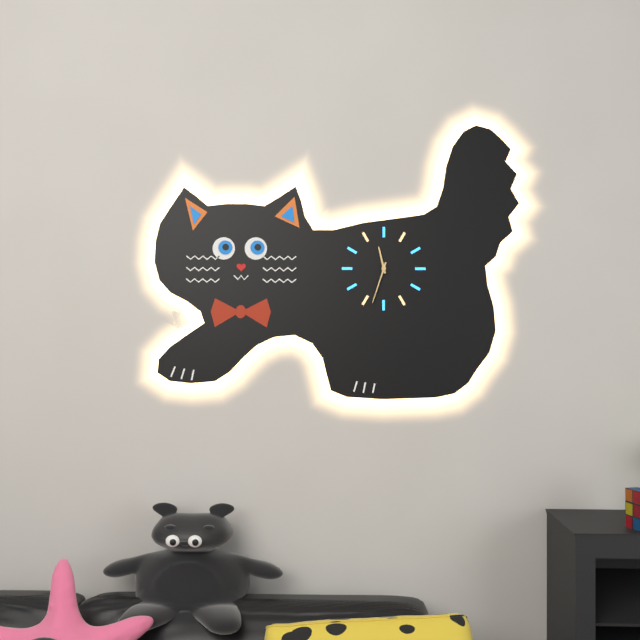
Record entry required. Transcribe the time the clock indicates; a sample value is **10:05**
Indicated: **11:33**
